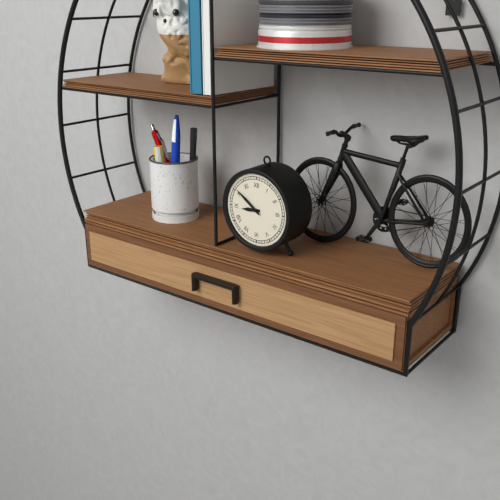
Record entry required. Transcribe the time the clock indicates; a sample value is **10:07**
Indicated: **8:51**
